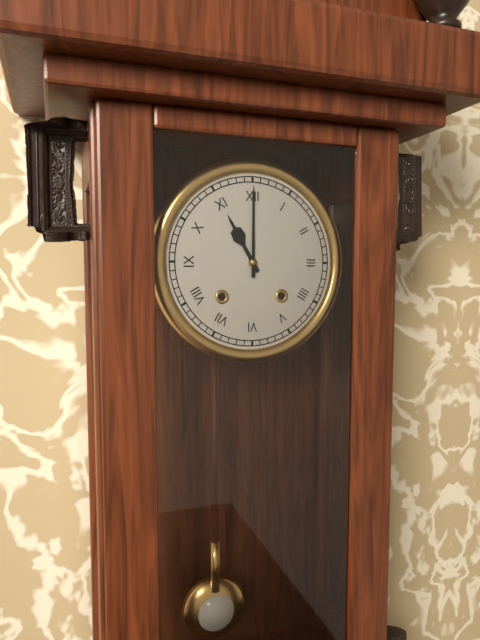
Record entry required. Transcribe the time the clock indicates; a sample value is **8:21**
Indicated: **11:00**
